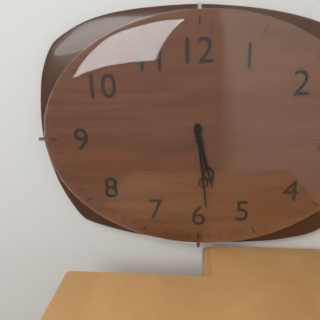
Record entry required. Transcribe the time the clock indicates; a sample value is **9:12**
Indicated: **5:29**
